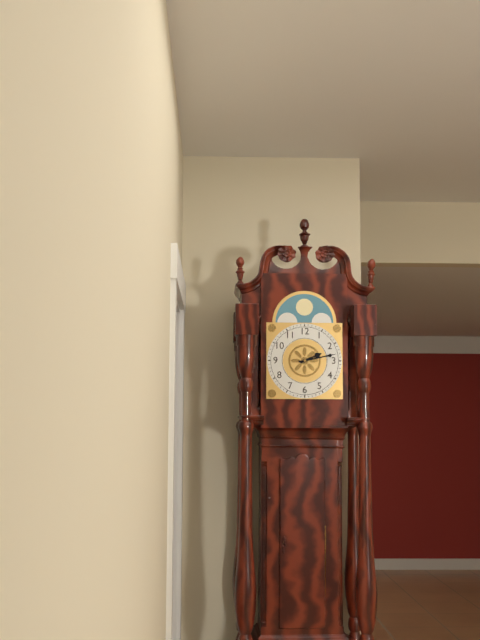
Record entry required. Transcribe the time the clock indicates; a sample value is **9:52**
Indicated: **2:13**
